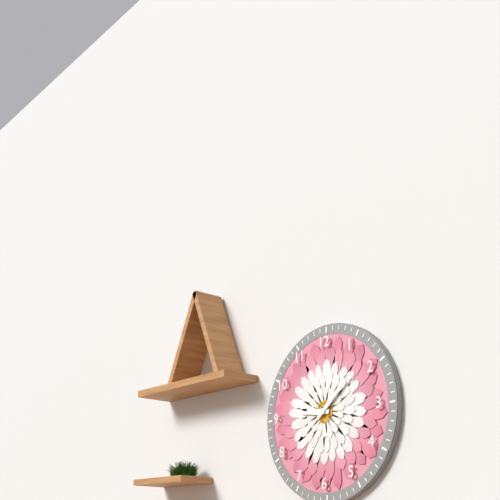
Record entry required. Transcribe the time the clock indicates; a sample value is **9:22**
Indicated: **9:08**
